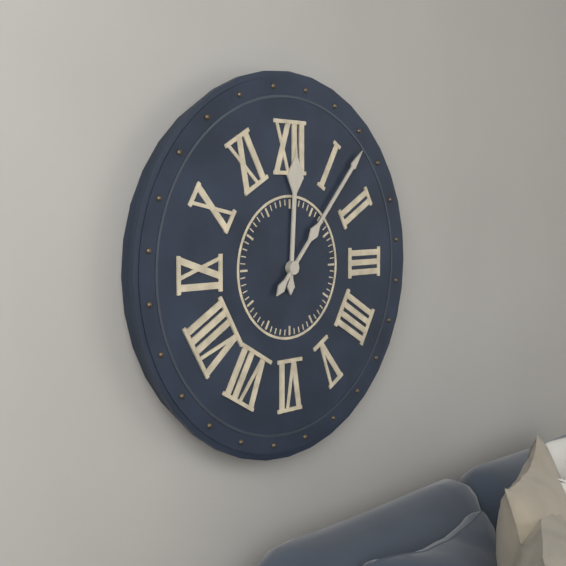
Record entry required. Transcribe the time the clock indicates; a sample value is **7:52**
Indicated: **12:07**
